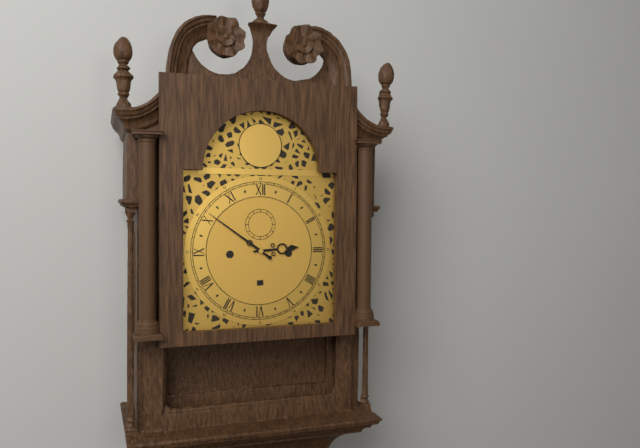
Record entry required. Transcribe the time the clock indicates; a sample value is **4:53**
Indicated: **2:51**
